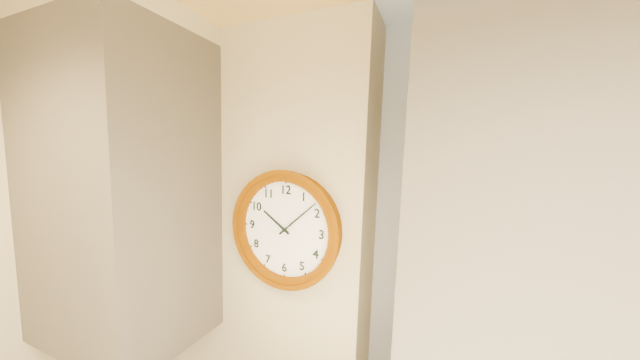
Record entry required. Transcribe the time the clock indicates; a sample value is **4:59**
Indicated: **10:08**
